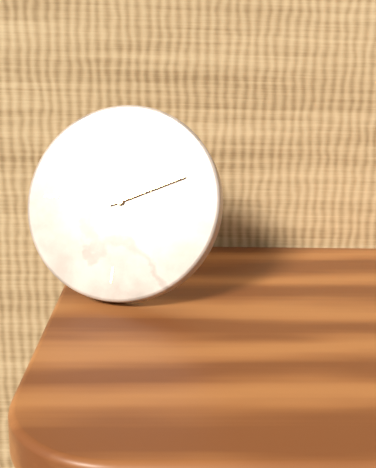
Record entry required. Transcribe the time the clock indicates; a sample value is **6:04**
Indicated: **2:11**
